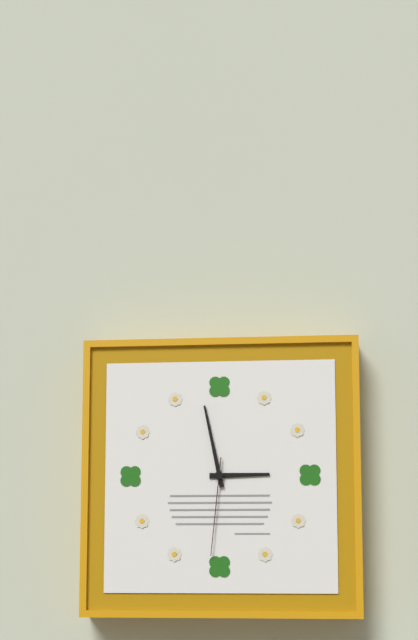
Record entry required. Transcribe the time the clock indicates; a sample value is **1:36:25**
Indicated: **2:58:31**
